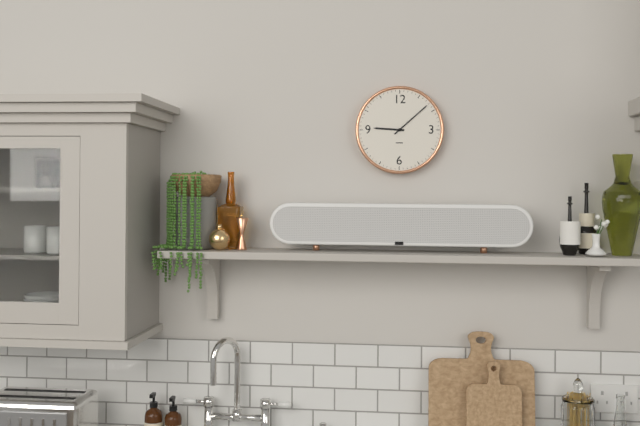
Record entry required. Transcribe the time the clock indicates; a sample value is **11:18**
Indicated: **9:08**
